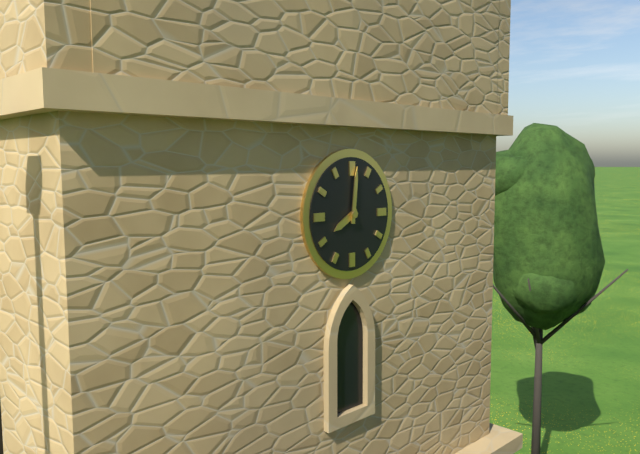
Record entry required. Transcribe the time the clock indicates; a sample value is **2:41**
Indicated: **8:01**
